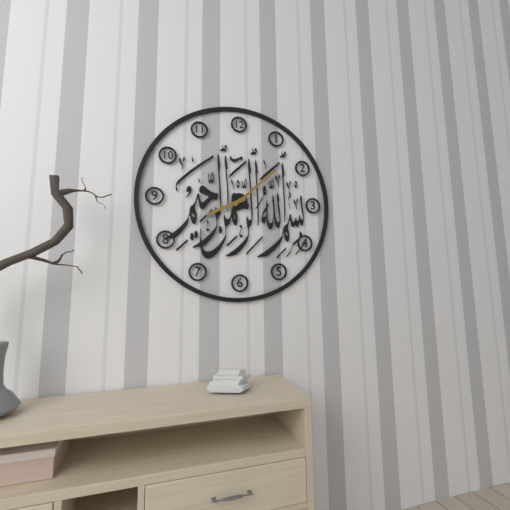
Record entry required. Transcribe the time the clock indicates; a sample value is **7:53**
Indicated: **8:08**
